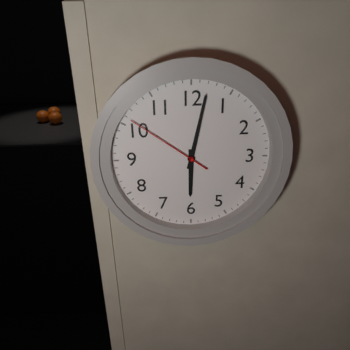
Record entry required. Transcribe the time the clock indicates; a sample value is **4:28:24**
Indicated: **6:02:51**
